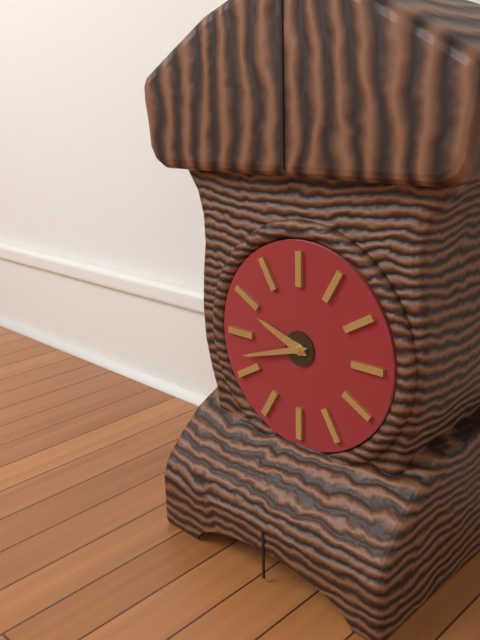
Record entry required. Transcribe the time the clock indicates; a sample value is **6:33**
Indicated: **9:42**
